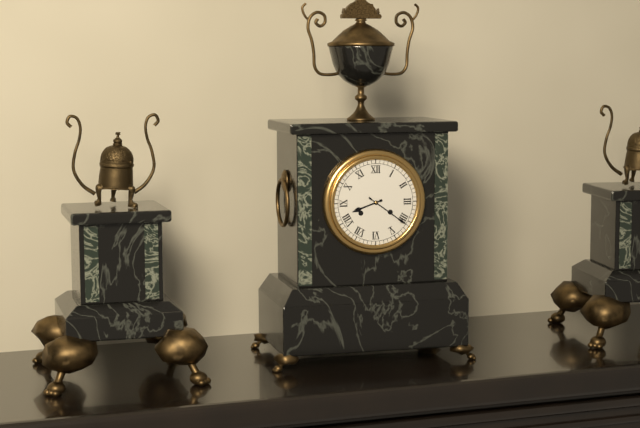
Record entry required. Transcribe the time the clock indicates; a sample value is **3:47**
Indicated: **8:21**
